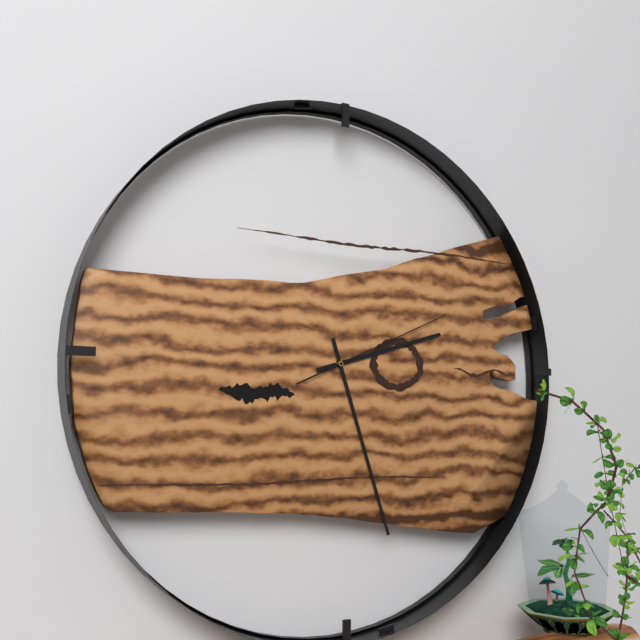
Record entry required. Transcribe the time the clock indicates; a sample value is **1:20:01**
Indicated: **2:27:11**
